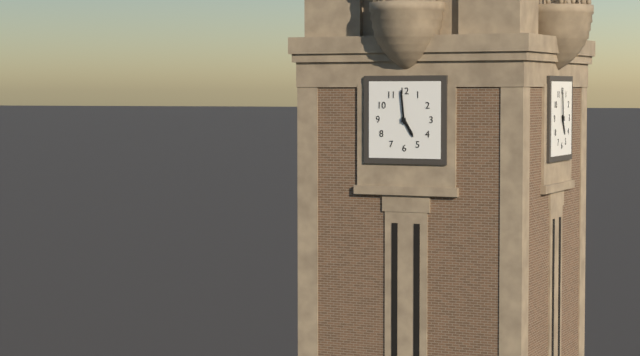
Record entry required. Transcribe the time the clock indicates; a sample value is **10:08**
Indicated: **4:59**
